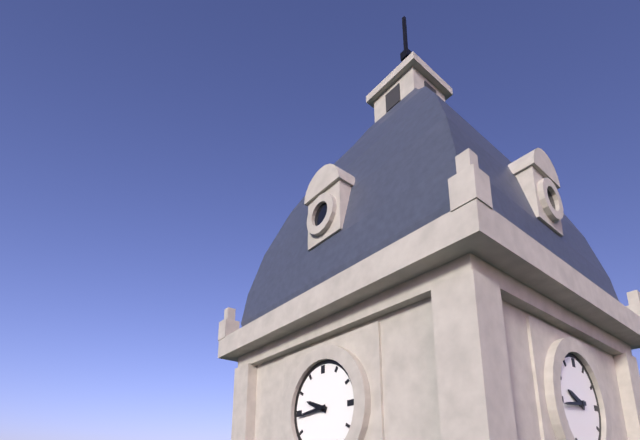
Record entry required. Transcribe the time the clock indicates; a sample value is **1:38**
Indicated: **9:44**
